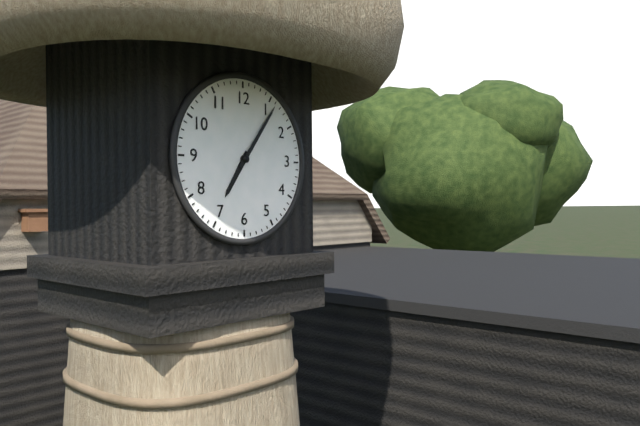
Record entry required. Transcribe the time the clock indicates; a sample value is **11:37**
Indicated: **7:06**
